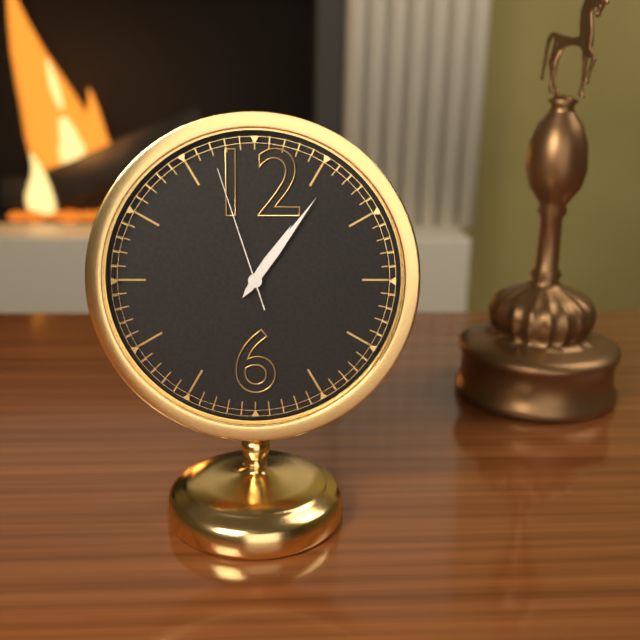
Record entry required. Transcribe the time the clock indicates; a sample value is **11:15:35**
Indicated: **1:06:57**
